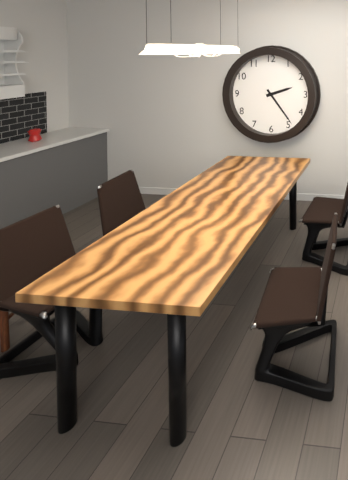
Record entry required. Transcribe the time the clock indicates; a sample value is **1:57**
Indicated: **2:24**
